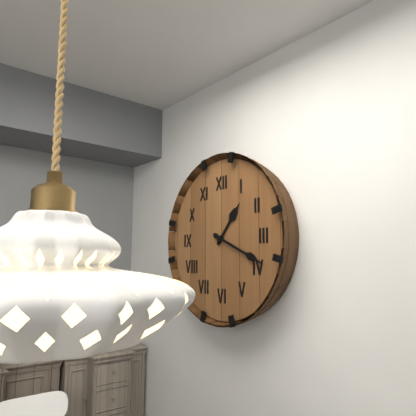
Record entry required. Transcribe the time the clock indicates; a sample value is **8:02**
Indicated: **1:19**
